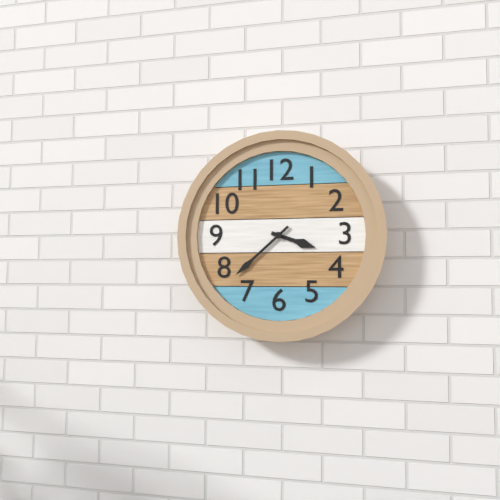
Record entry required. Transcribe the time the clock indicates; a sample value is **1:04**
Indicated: **3:38**
